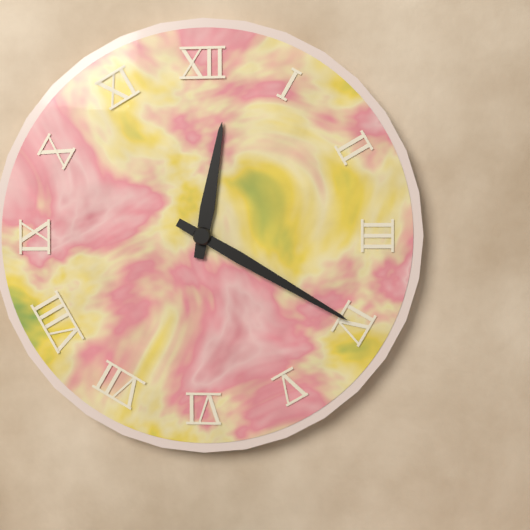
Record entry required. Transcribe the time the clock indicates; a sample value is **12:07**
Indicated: **12:20**
